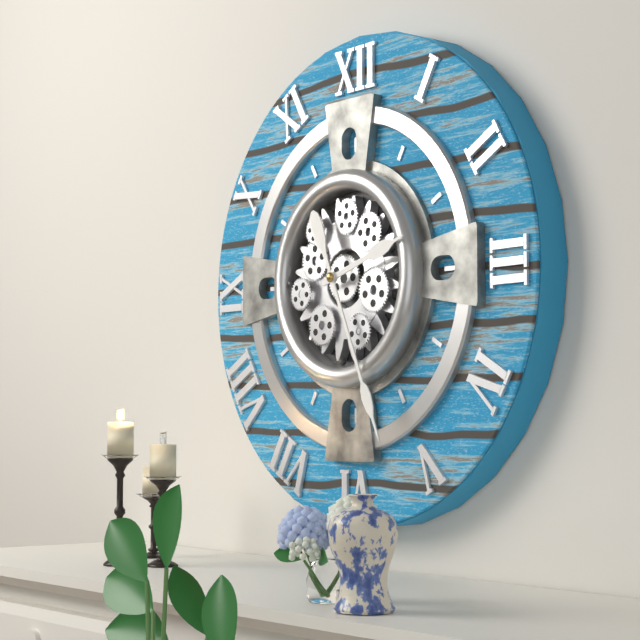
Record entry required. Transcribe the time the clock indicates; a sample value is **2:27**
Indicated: **2:26**
